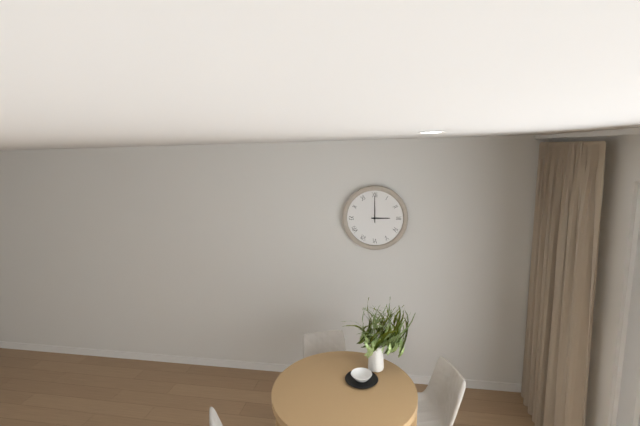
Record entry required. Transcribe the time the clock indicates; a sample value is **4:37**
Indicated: **3:00**
